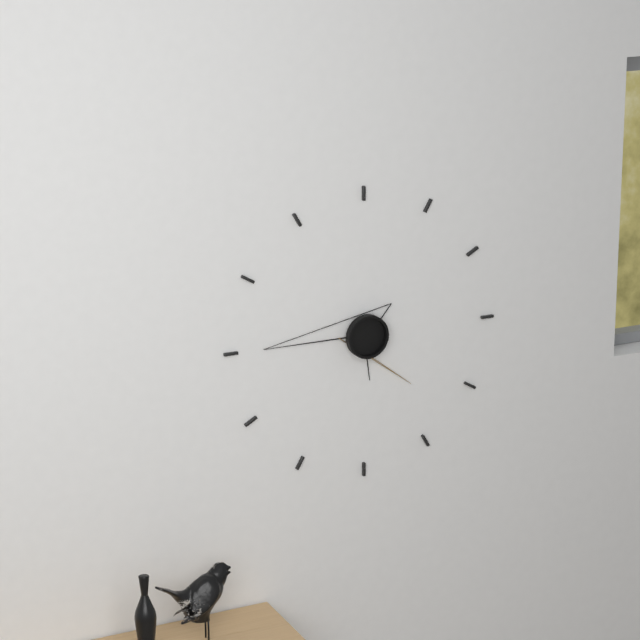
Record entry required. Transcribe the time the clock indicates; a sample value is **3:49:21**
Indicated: **5:45:23**
